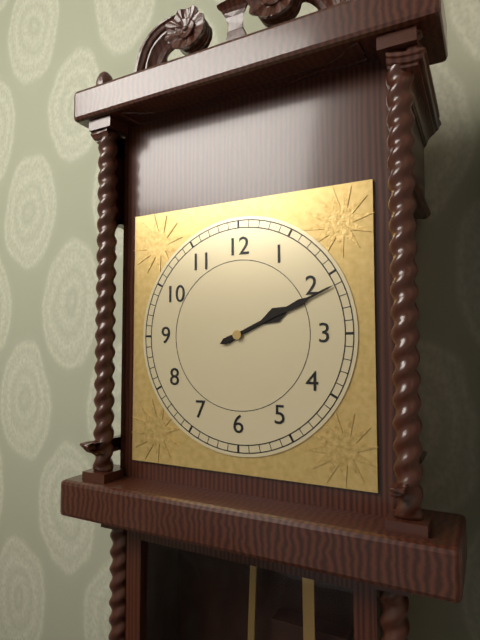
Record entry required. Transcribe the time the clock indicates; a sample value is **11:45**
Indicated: **2:11**
